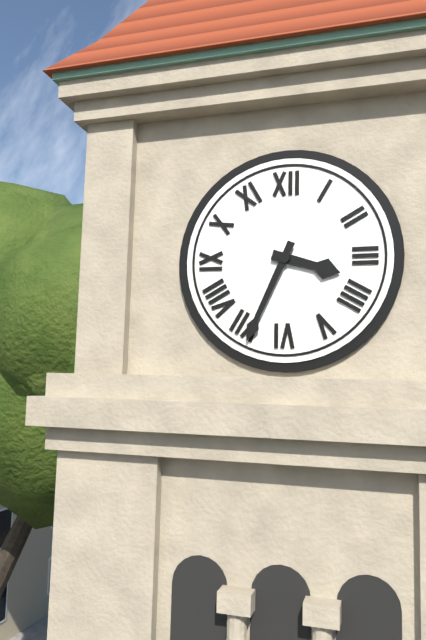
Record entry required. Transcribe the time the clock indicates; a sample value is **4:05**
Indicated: **3:34**
